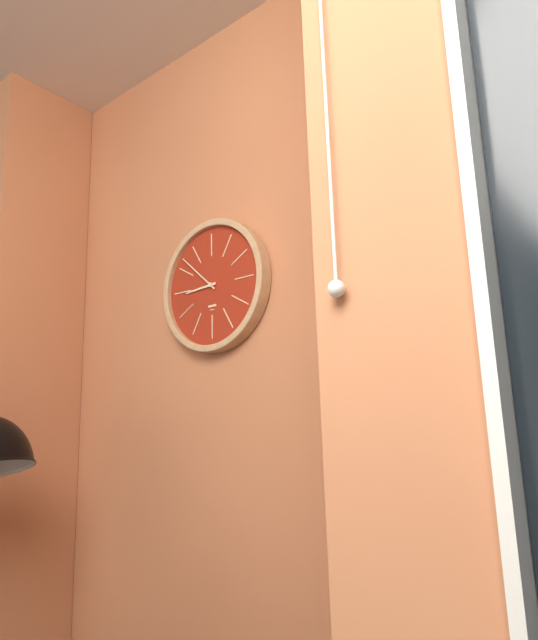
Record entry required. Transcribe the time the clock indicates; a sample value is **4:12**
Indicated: **8:52**
